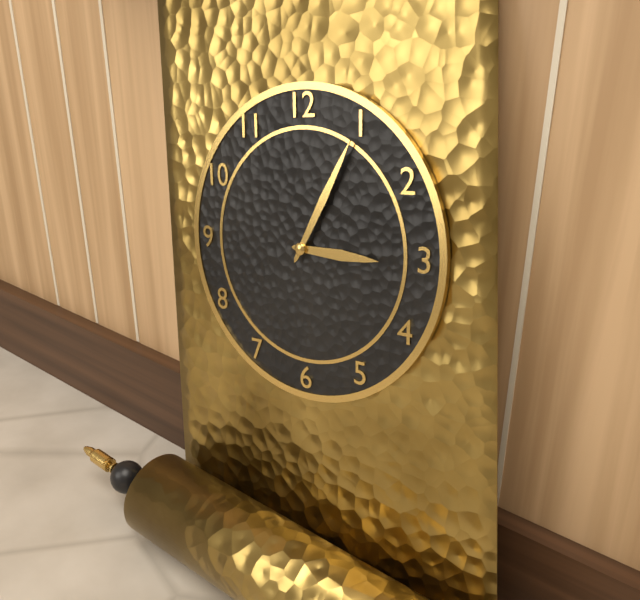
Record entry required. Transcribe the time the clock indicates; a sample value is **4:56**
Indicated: **3:05**
